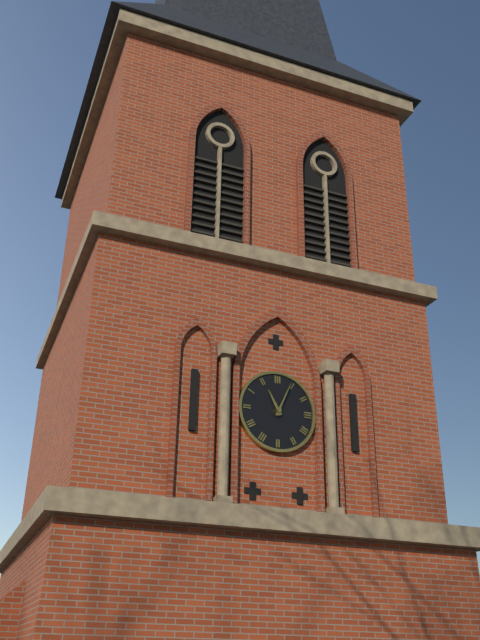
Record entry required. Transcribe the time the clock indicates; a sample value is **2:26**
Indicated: **11:04**
